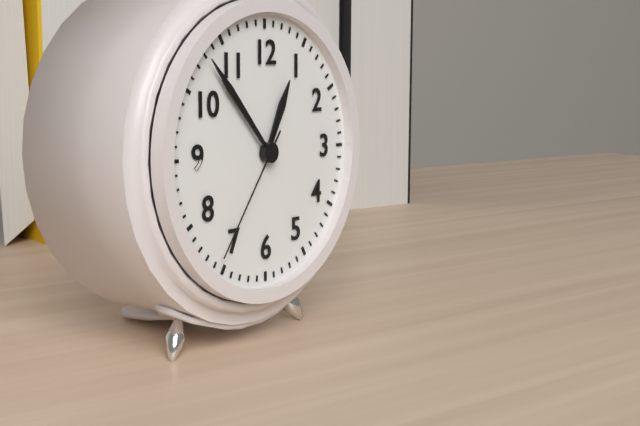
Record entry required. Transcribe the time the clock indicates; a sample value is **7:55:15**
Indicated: **12:53:36**
